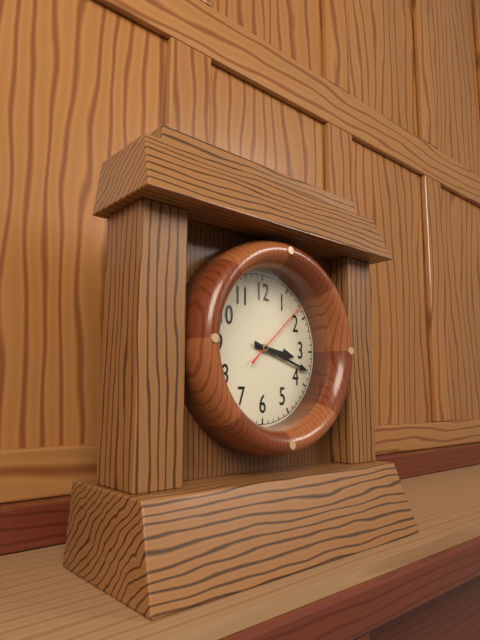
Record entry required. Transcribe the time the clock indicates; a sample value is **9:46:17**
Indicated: **3:18:08**
